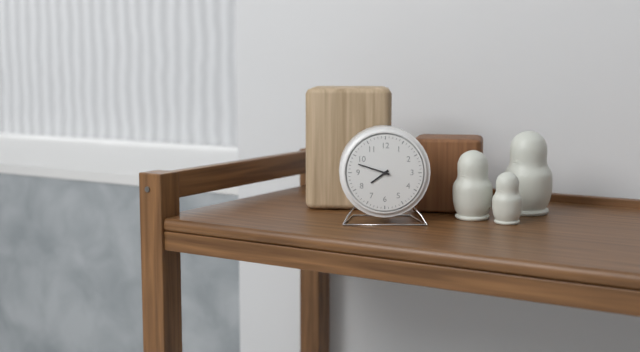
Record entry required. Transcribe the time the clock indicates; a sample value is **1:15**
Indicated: **7:48**
